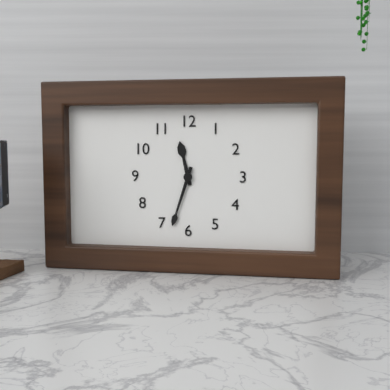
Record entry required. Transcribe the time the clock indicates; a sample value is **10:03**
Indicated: **11:33**
